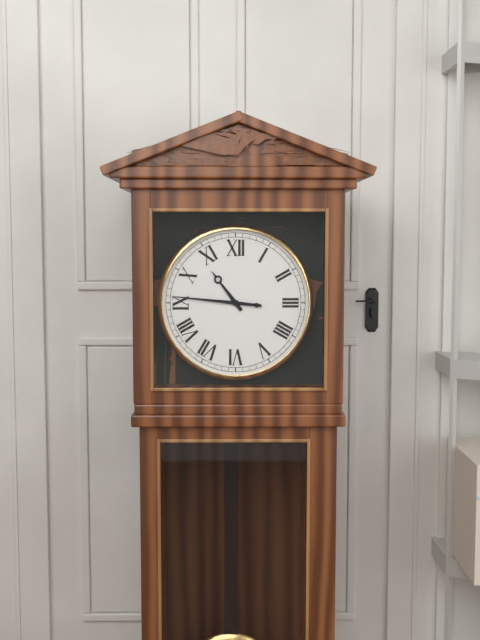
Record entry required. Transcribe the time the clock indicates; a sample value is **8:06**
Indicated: **10:46**
